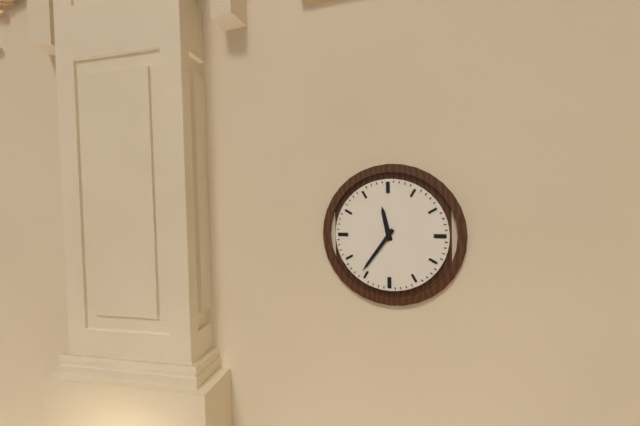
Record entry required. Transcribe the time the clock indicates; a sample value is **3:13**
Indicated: **11:36**
